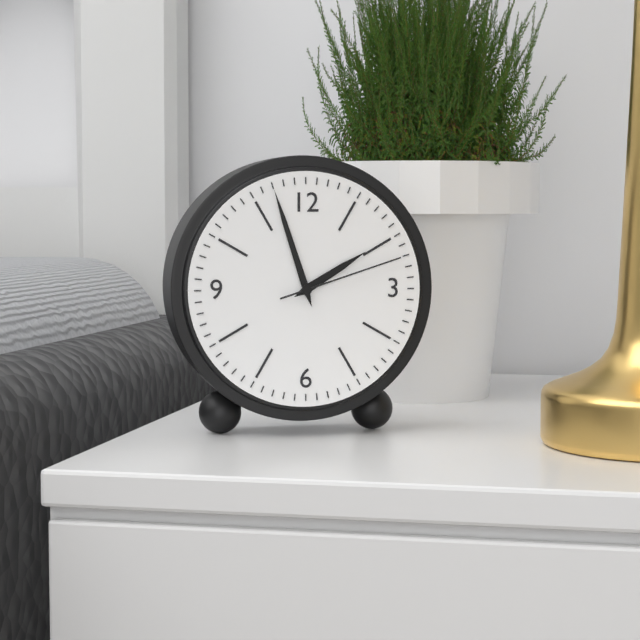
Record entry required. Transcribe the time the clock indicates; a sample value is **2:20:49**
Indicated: **1:57:12**
